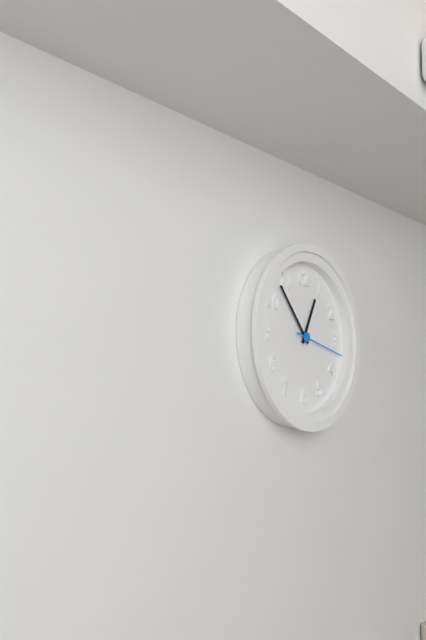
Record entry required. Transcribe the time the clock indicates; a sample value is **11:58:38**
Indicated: **12:53:17**
